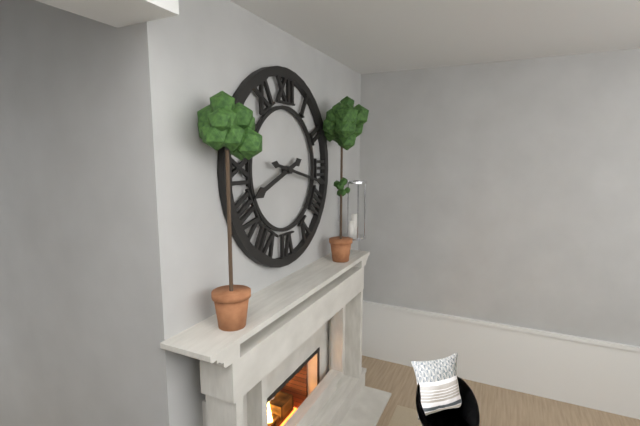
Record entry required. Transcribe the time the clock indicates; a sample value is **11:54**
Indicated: **8:17**
